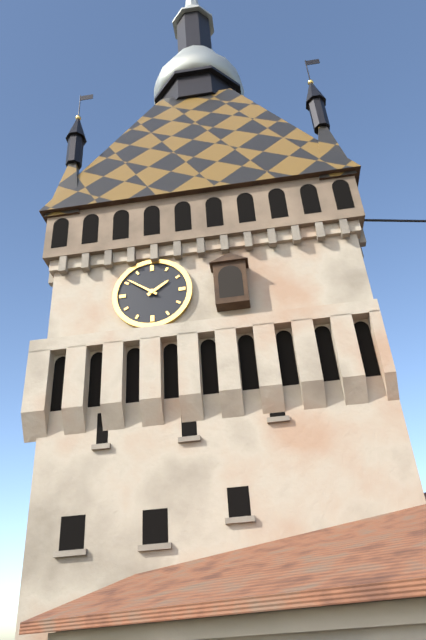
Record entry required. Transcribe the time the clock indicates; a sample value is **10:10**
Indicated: **1:51**
